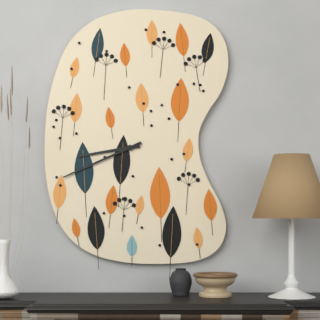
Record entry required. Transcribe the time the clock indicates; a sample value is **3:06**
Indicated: **8:41**
